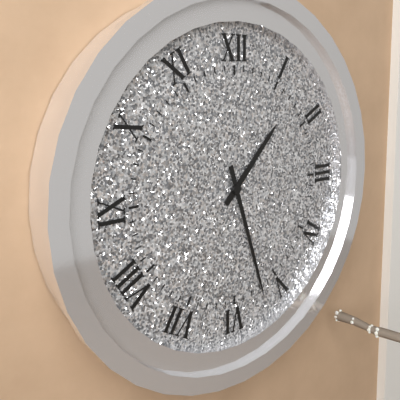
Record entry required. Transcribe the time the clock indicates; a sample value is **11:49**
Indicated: **1:27**
